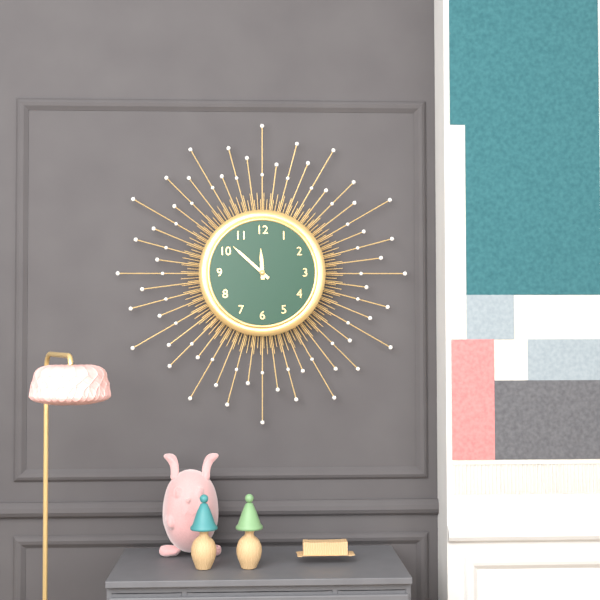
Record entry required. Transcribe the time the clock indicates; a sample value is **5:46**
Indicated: **11:52**
